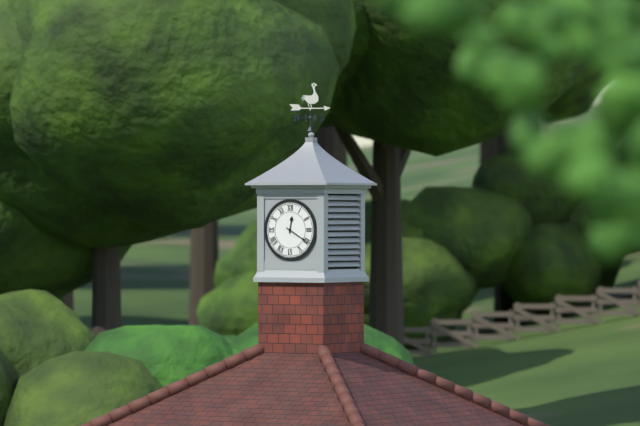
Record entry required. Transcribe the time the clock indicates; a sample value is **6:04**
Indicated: **12:20**
